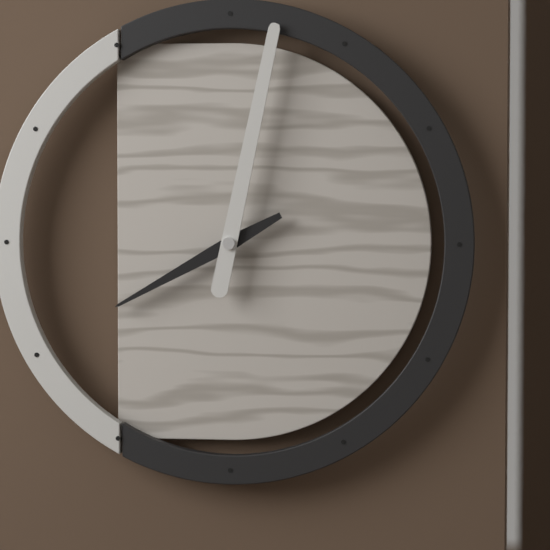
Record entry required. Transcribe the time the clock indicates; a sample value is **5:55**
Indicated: **8:02**
